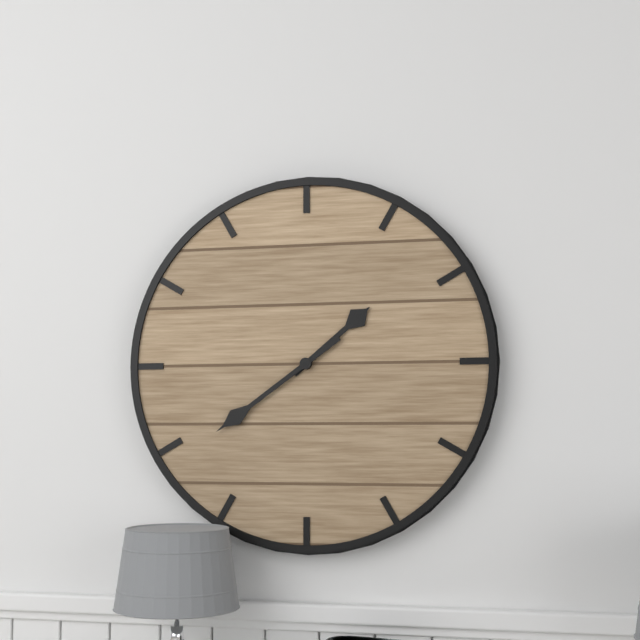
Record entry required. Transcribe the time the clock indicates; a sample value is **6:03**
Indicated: **1:39**
